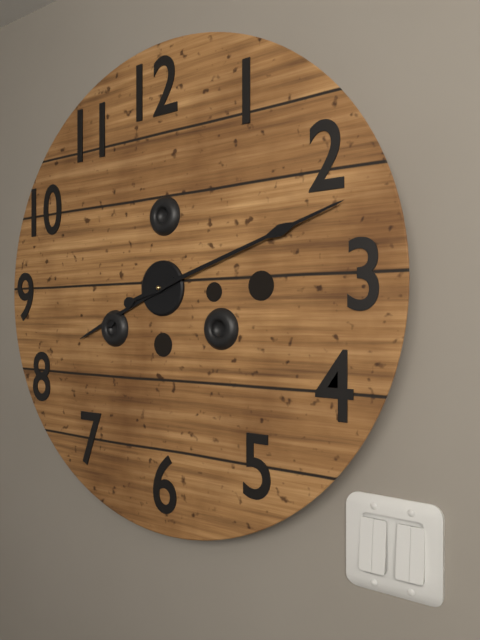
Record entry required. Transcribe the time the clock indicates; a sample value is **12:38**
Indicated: **8:12**
